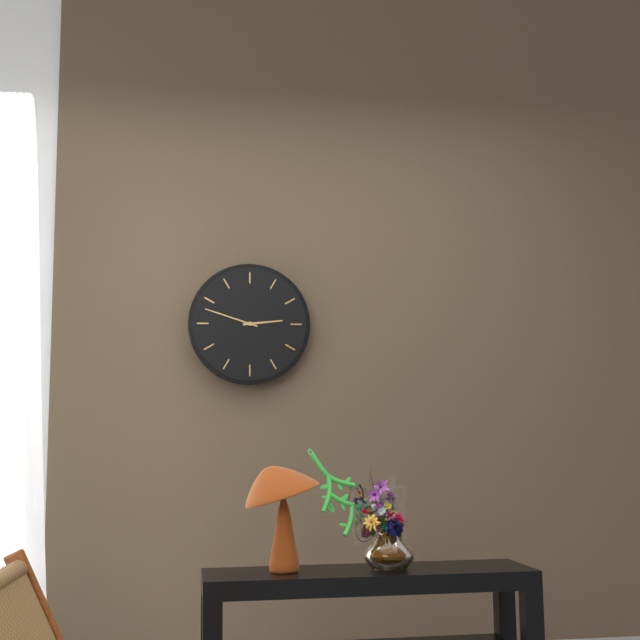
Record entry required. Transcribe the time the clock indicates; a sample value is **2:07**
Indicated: **2:48**
